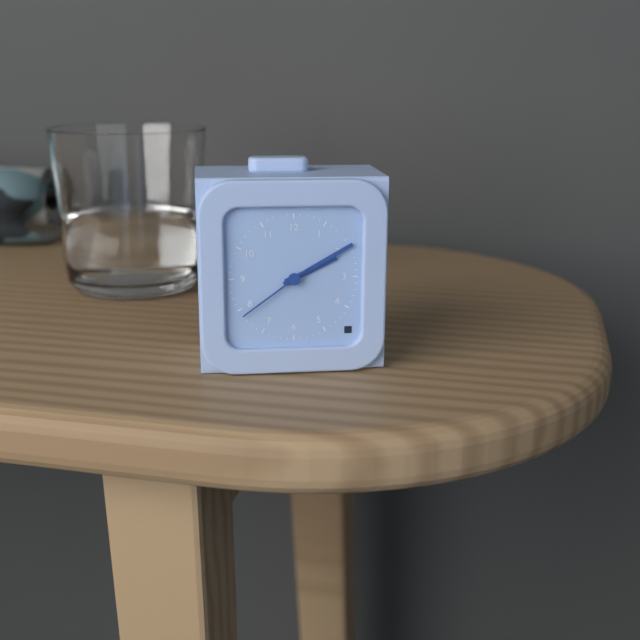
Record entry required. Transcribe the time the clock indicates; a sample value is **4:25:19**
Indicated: **2:10:39**
